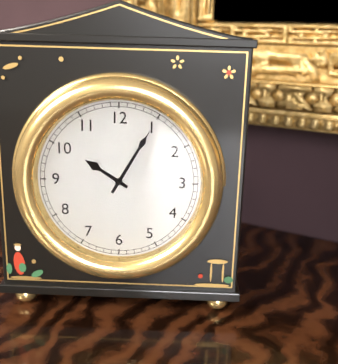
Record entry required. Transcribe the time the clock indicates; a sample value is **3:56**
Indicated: **10:05**
